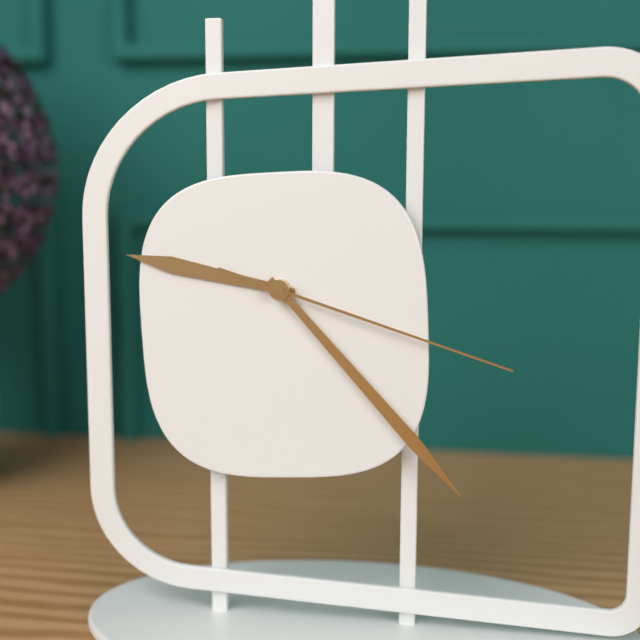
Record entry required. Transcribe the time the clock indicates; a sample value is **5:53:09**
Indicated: **9:23:18**
